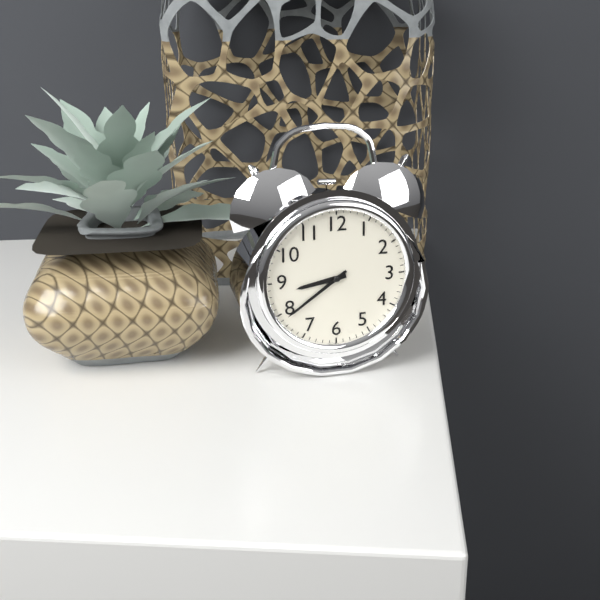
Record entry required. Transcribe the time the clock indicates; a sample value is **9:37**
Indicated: **8:39**
